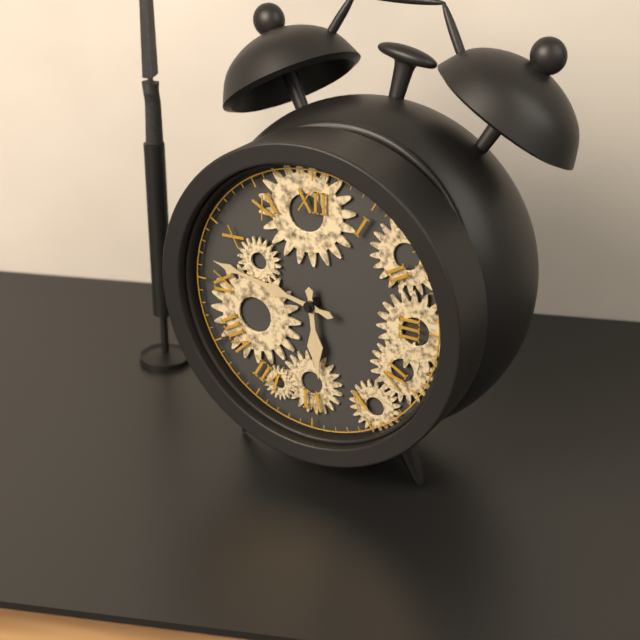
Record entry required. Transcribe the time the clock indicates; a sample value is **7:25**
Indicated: **5:47**
